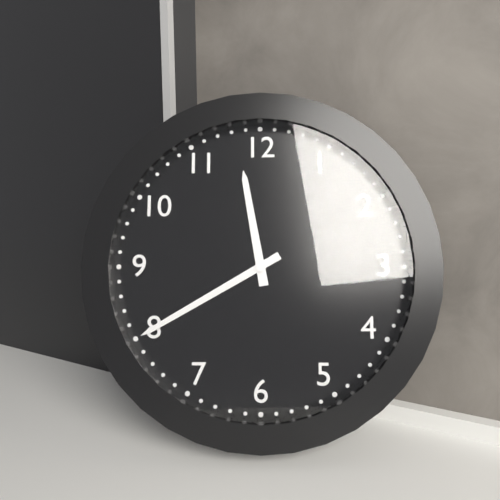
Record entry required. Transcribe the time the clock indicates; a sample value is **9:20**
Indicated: **11:40**
